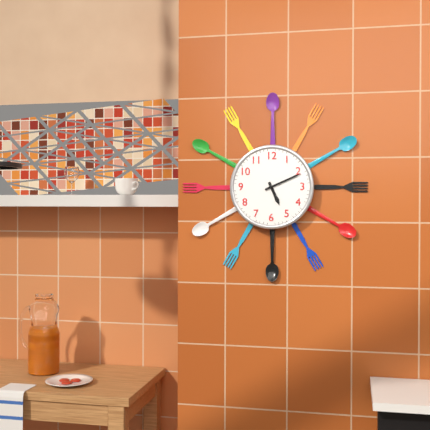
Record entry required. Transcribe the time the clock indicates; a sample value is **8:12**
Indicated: **5:11**
